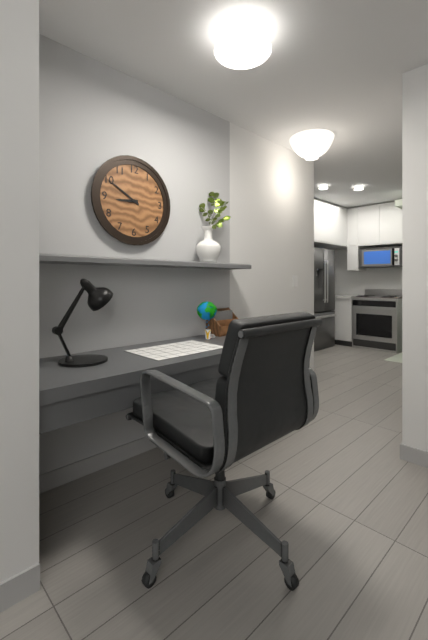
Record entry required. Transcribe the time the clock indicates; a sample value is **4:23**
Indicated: **8:50**
